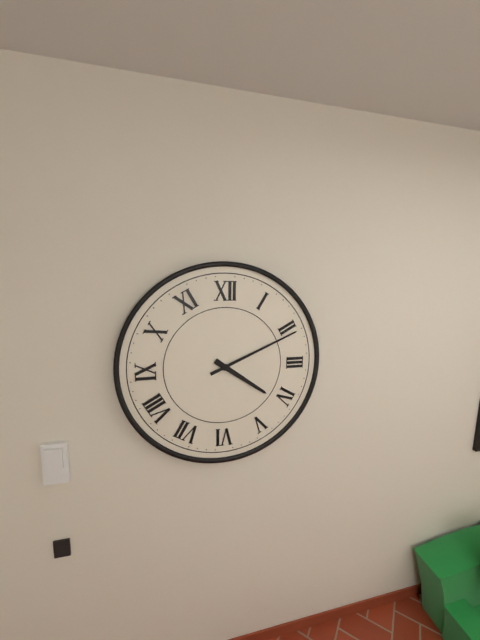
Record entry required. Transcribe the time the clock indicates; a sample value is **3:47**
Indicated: **4:11**
